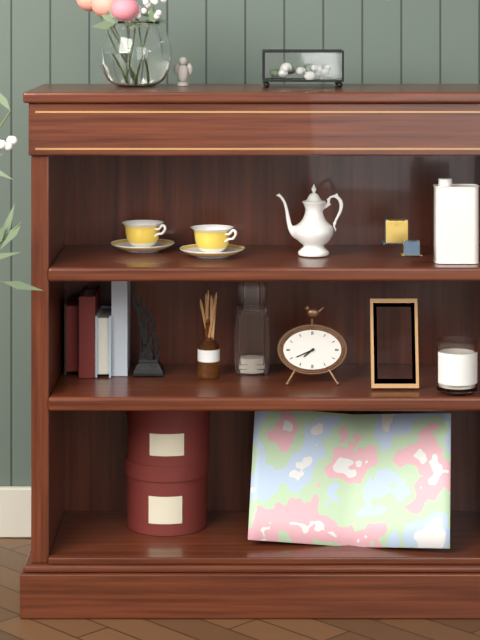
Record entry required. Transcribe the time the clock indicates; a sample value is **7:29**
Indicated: **7:41**
